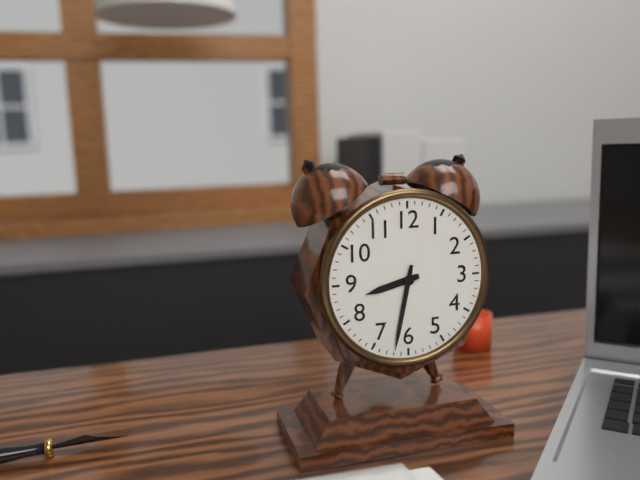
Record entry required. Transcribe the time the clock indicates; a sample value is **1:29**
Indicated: **8:32**
